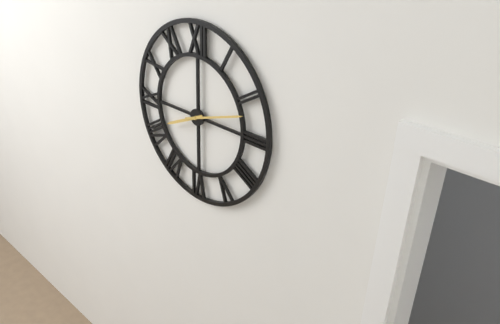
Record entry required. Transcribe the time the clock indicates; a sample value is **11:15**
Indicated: **8:12**
